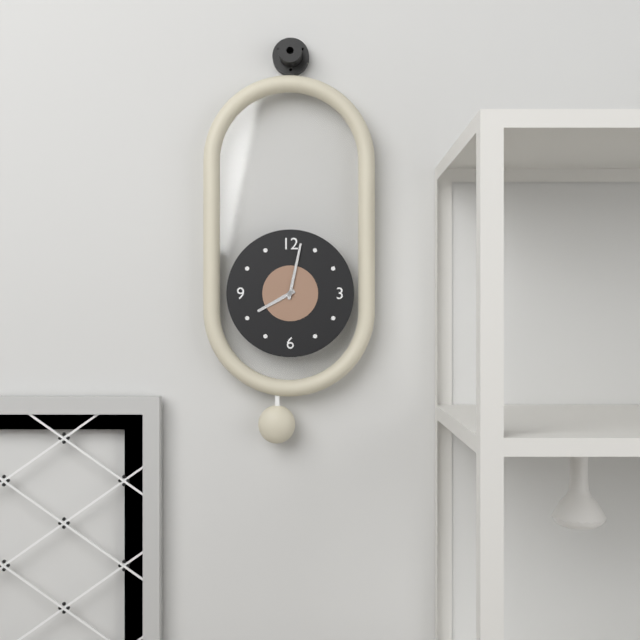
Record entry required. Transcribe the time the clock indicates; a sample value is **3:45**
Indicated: **8:02**
